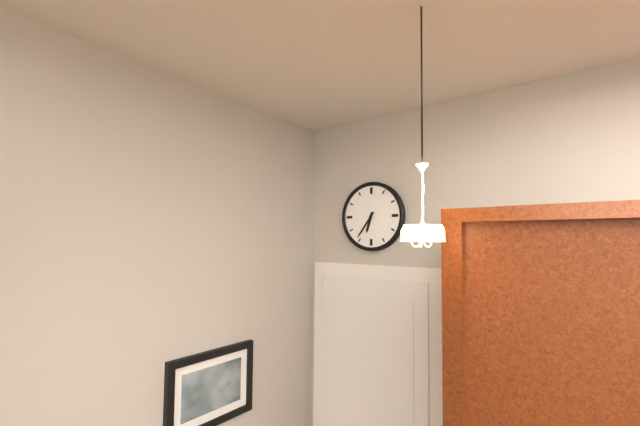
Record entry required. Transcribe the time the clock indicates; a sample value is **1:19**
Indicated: **6:36**
